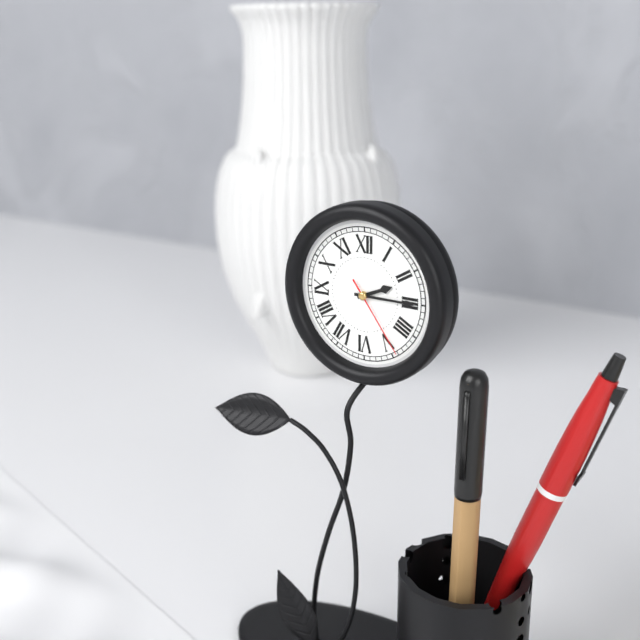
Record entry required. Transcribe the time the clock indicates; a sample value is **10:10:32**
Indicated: **2:15:24**
